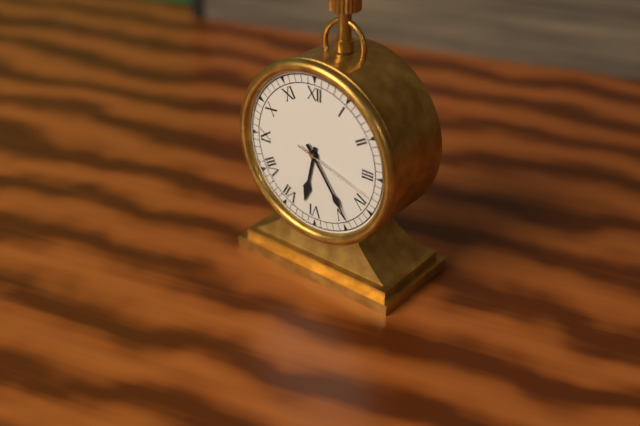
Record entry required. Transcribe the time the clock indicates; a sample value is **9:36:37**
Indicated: **6:24:18**
